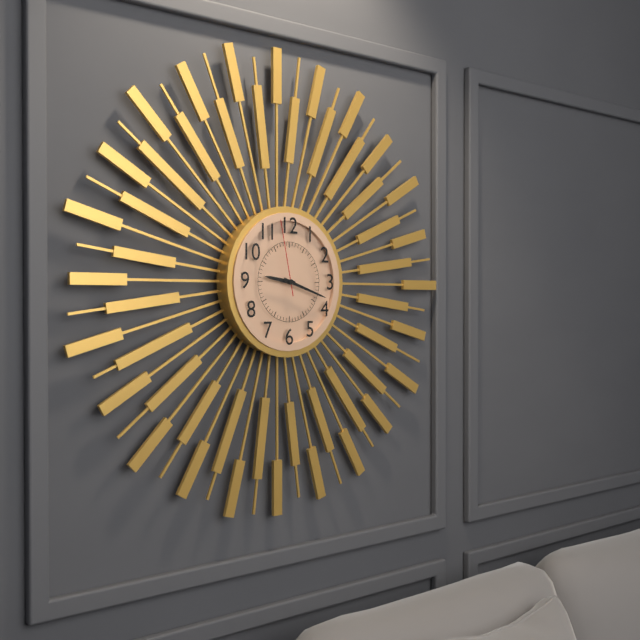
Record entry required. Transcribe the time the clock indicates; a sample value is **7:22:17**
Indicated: **9:18:58**
